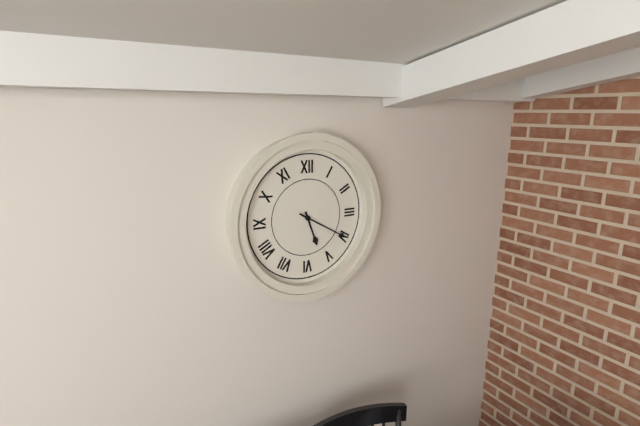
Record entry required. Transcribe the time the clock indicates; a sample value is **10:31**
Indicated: **5:20**
